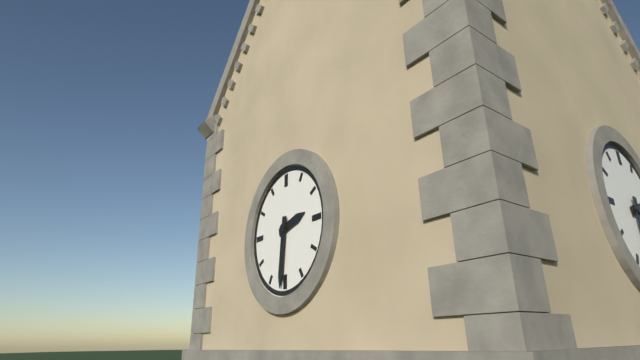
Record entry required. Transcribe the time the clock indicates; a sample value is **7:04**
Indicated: **2:31**
